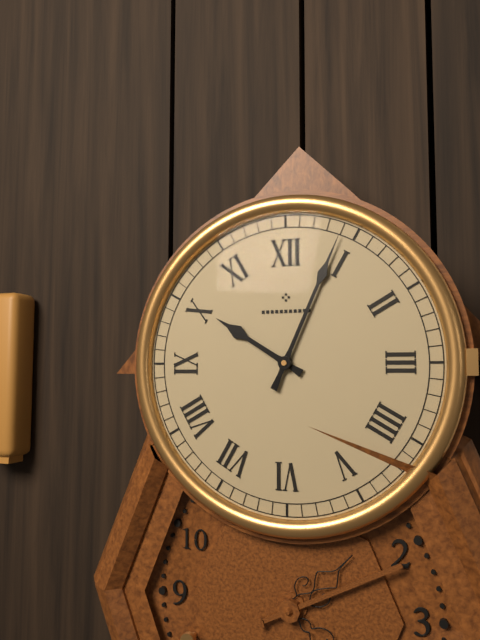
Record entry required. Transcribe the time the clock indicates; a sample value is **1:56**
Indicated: **10:04**
